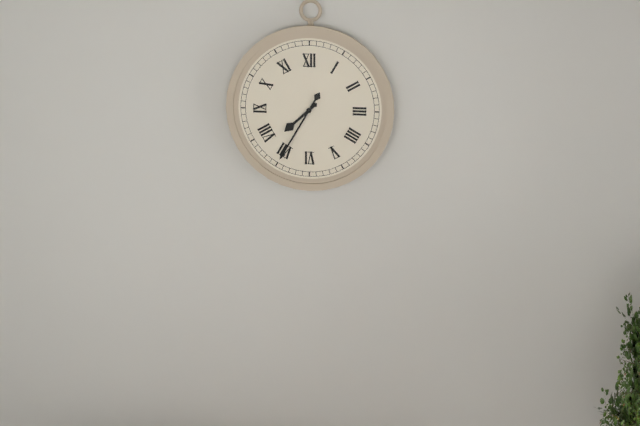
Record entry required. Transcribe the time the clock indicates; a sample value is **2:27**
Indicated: **7:35**
